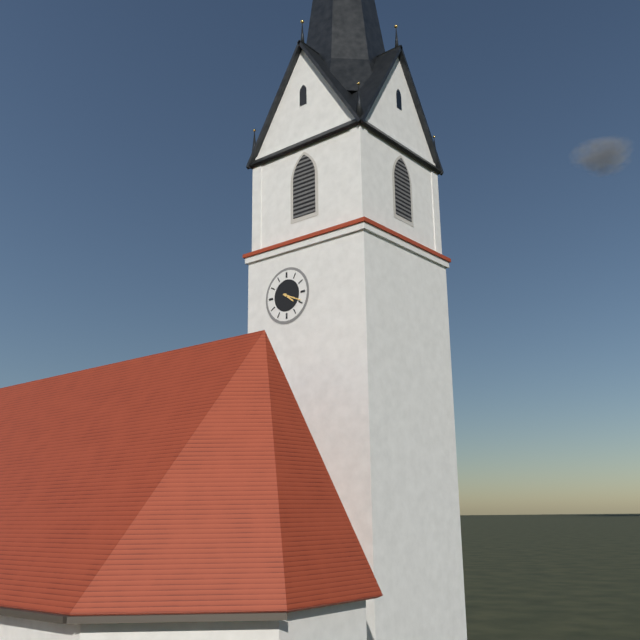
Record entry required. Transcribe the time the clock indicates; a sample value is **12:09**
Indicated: **4:19**
